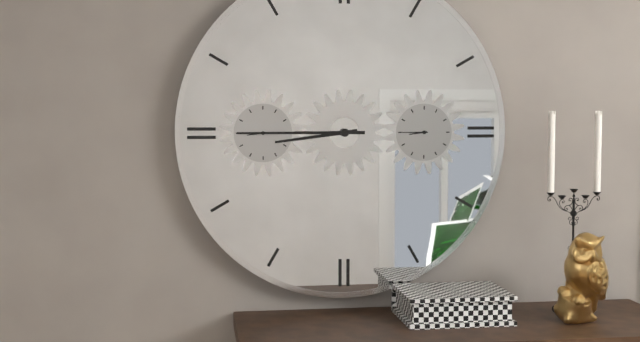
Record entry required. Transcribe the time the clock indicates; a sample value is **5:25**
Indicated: **8:45**
